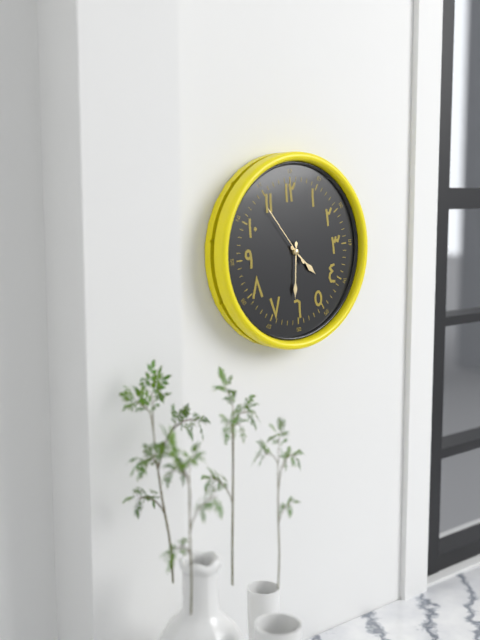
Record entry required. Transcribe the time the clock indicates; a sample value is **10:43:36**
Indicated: **4:31:54**
